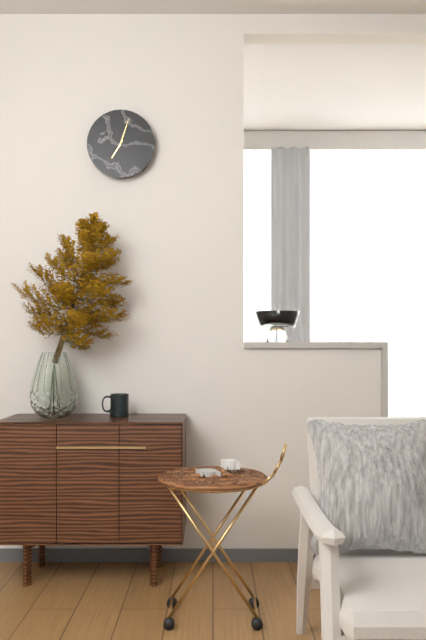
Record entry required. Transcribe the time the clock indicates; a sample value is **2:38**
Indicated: **7:03**
